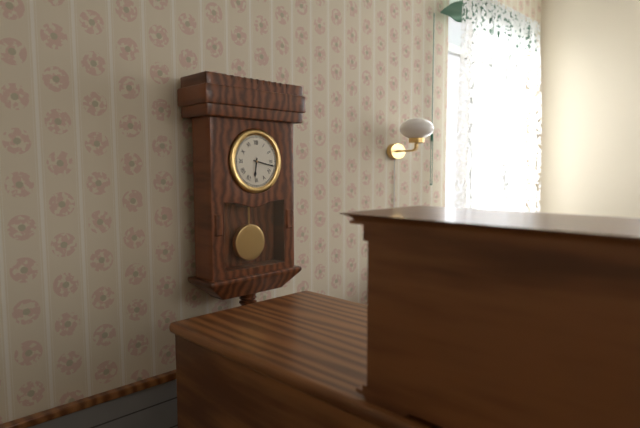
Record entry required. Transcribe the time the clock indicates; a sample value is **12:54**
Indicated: **6:17**
